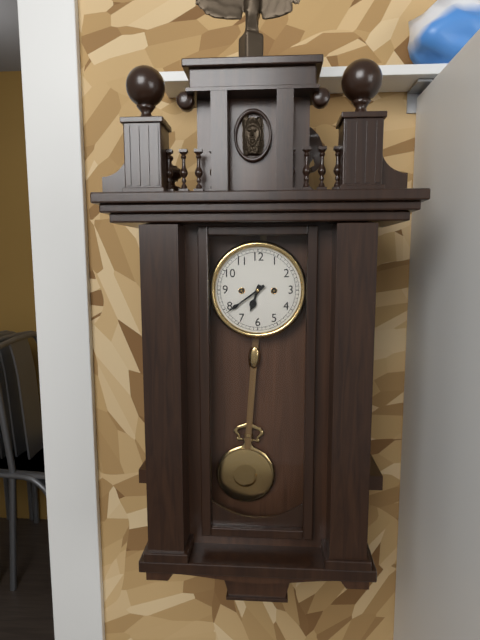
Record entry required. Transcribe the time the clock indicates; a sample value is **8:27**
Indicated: **6:39**
